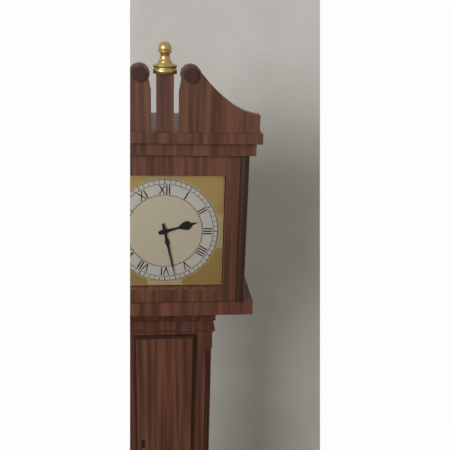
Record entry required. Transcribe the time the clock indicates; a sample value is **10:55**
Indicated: **2:28**
